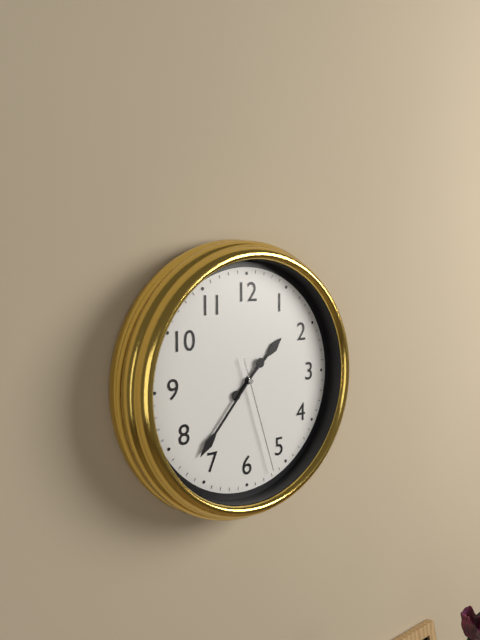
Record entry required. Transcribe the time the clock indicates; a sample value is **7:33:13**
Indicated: **1:37:27**
